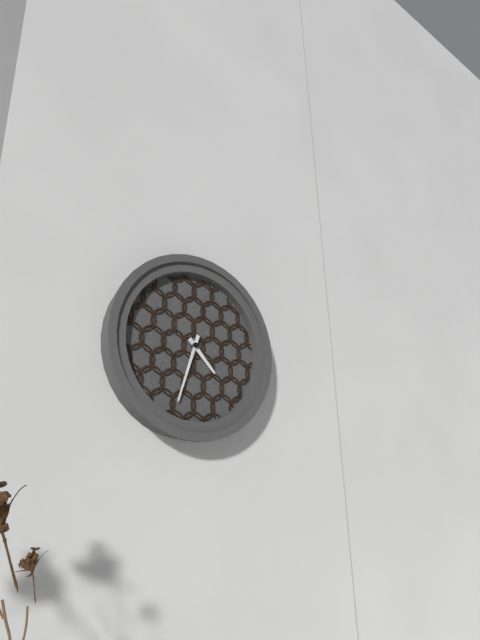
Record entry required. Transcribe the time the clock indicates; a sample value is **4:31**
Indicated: **4:33**
